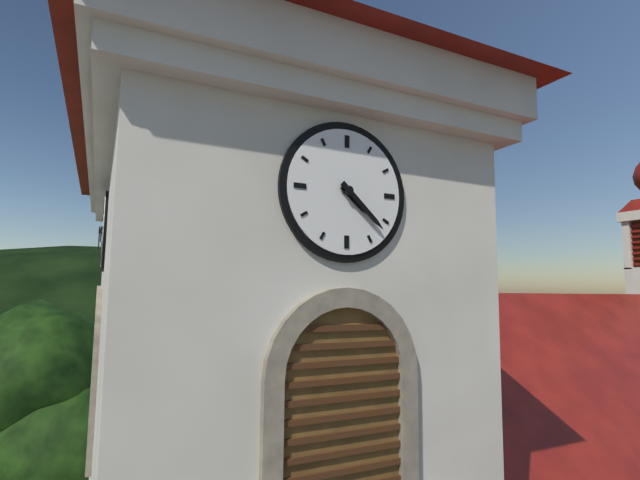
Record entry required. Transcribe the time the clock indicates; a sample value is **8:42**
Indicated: **4:22**
